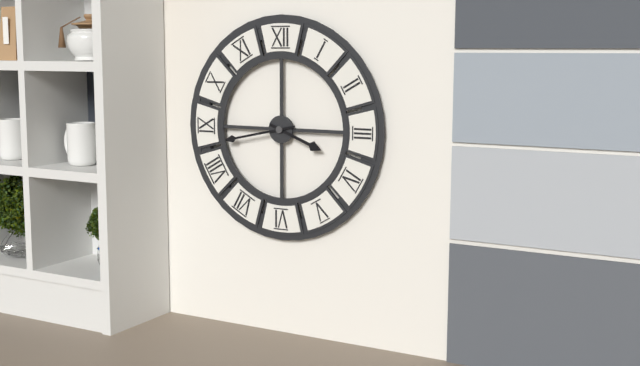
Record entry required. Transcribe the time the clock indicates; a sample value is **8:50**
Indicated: **3:43**
